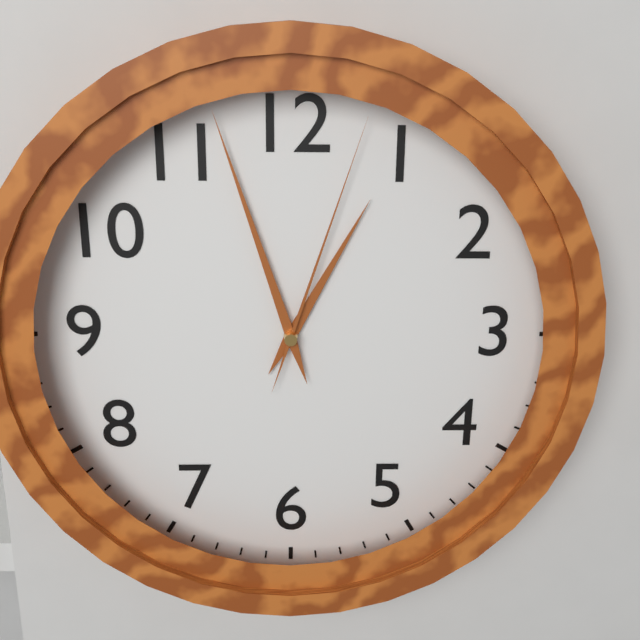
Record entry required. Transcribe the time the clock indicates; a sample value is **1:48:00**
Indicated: **12:57:03**
